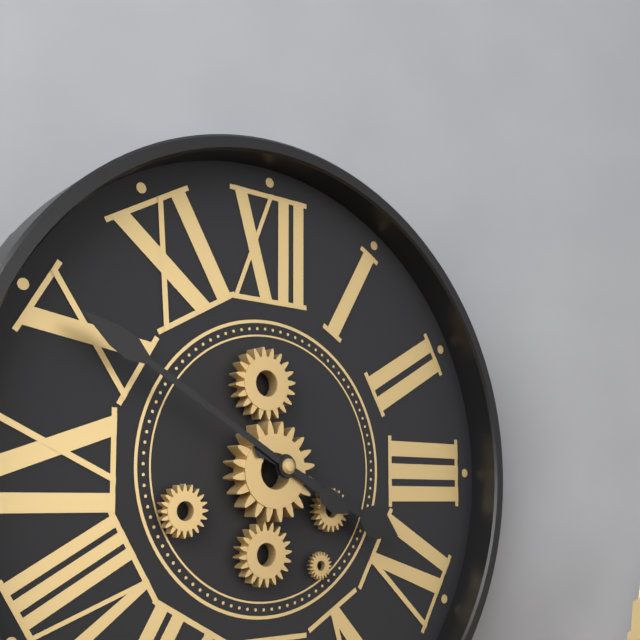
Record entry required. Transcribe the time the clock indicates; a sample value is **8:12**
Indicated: **3:50**
